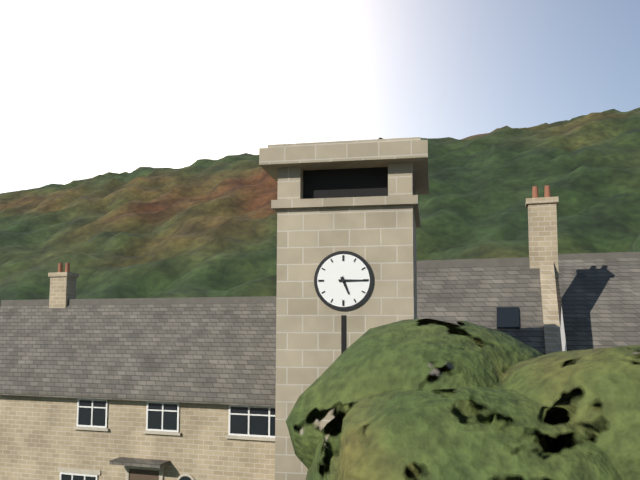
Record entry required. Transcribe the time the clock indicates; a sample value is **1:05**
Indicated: **5:15**
